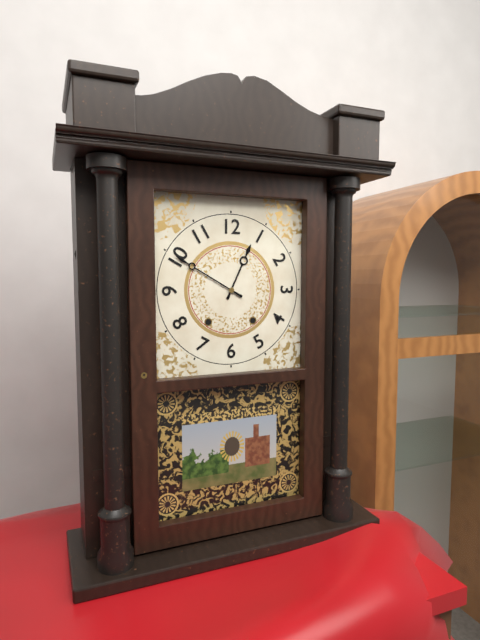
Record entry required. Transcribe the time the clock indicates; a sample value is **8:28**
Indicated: **12:50**
